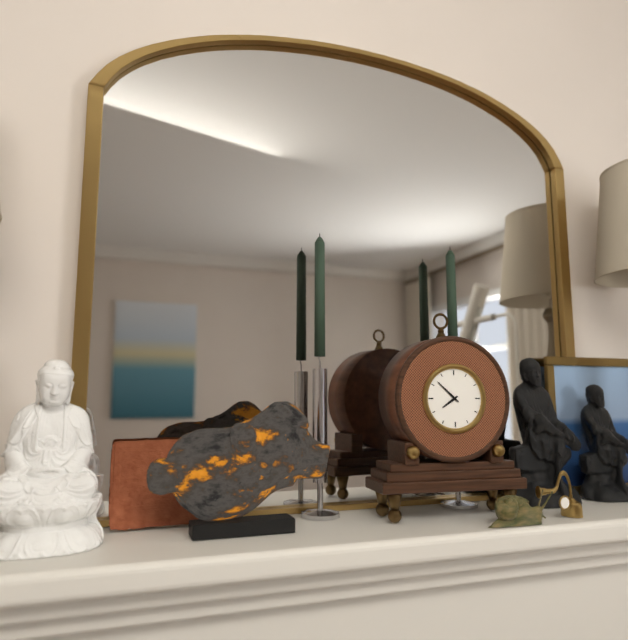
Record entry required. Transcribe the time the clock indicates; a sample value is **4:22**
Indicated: **7:52**
